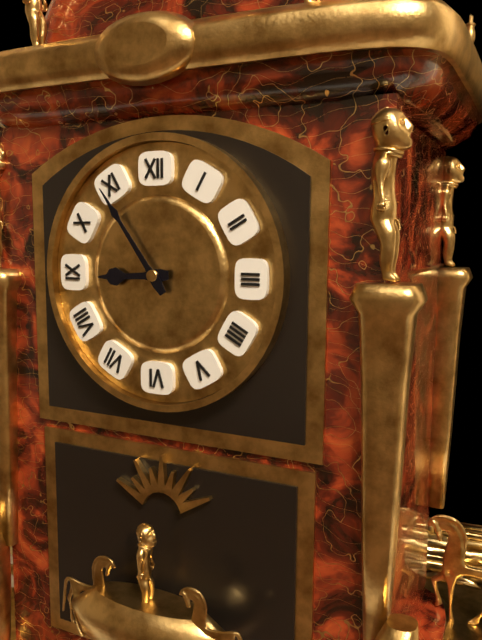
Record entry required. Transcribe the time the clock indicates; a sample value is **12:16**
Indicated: **8:54**
